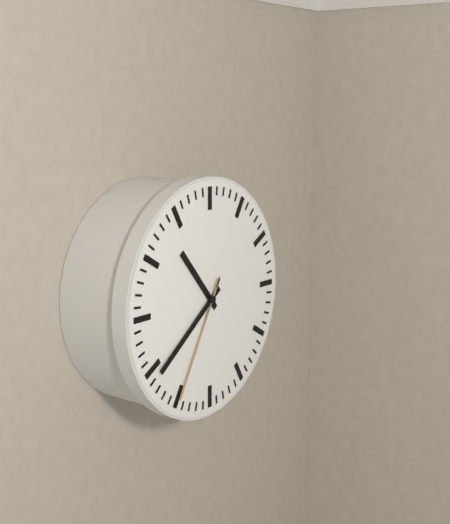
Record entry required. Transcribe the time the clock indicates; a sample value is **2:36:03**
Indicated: **10:39:35**
